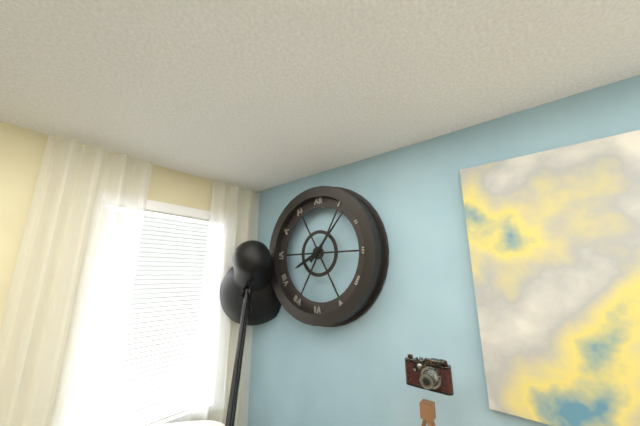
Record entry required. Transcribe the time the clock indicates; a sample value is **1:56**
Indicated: **8:07**
